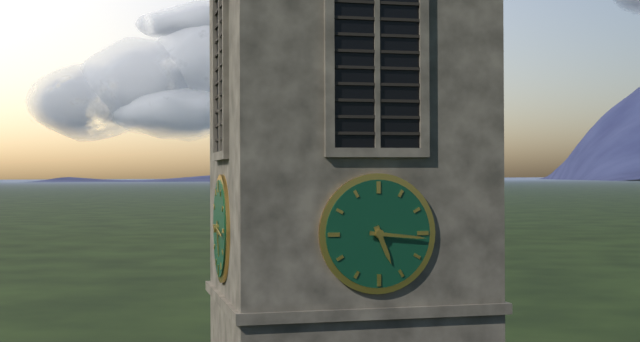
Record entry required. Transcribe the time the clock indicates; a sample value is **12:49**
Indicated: **5:16**
